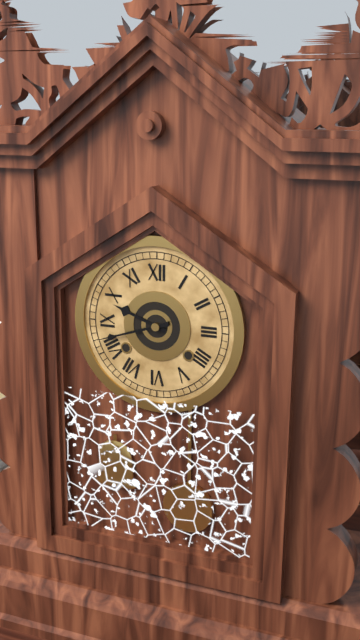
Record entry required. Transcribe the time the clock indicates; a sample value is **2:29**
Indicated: **9:42**
